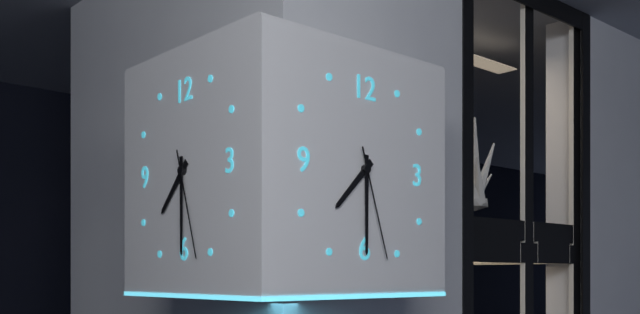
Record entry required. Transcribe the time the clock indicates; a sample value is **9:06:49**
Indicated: **7:30:27**
